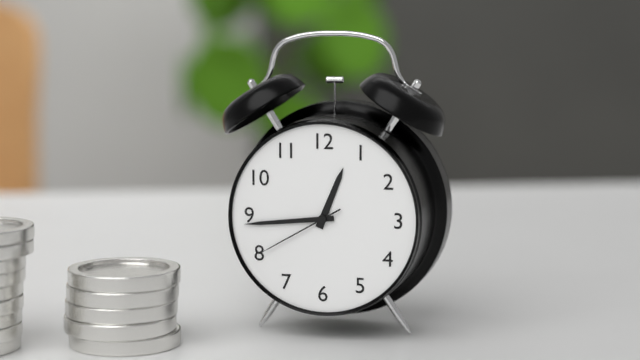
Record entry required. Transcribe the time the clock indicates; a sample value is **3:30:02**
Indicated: **12:44:40**
